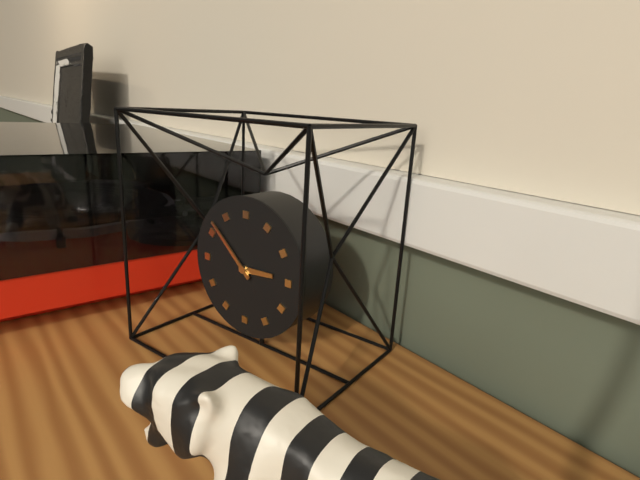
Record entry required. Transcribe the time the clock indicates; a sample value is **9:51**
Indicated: **2:52**
